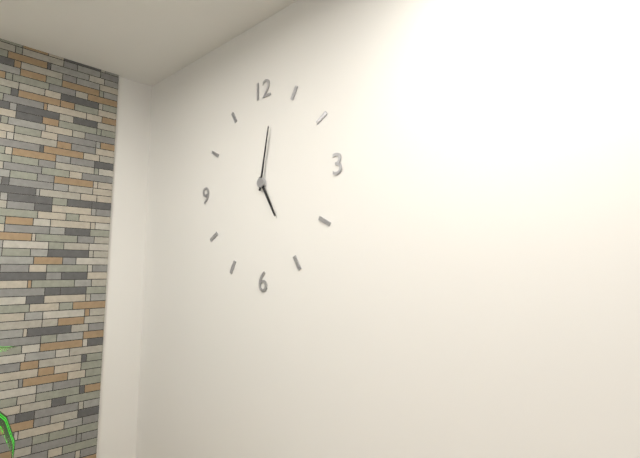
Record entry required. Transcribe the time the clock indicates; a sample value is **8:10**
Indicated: **5:02**
